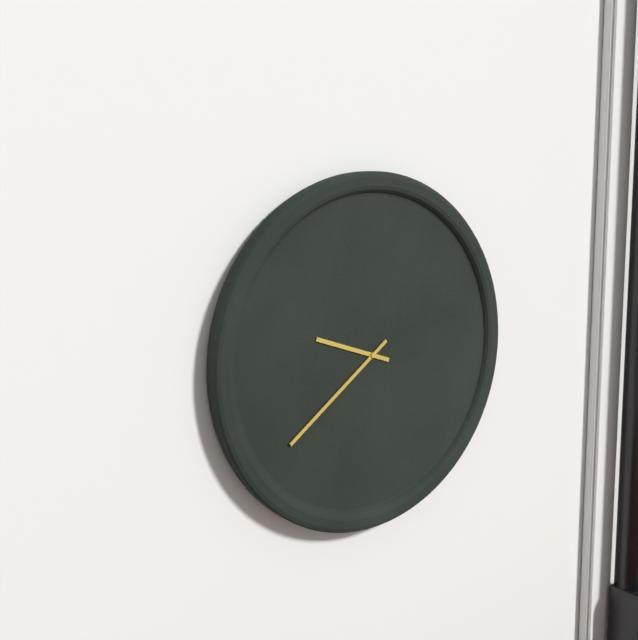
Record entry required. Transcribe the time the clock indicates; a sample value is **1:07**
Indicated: **9:39**
